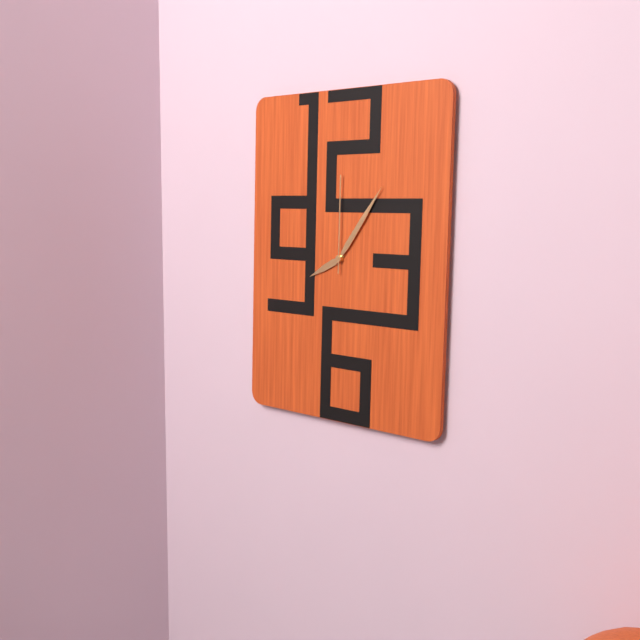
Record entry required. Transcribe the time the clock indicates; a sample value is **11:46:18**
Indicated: **8:06:00**
